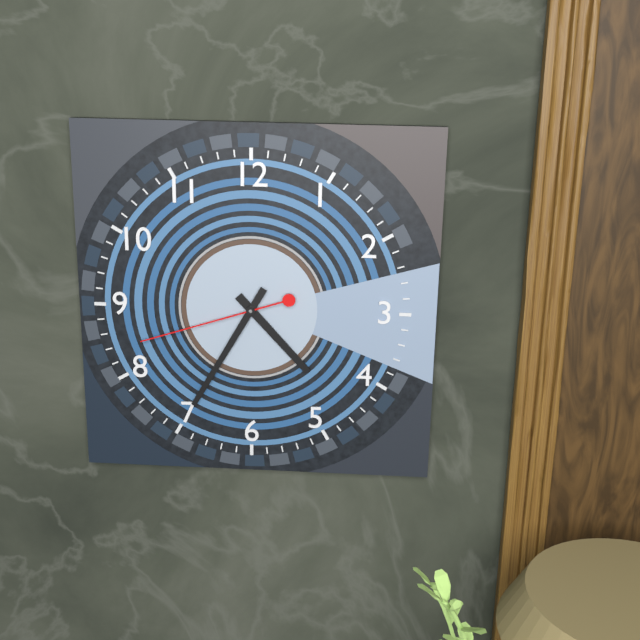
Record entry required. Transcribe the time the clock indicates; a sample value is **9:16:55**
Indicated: **4:35:42**
